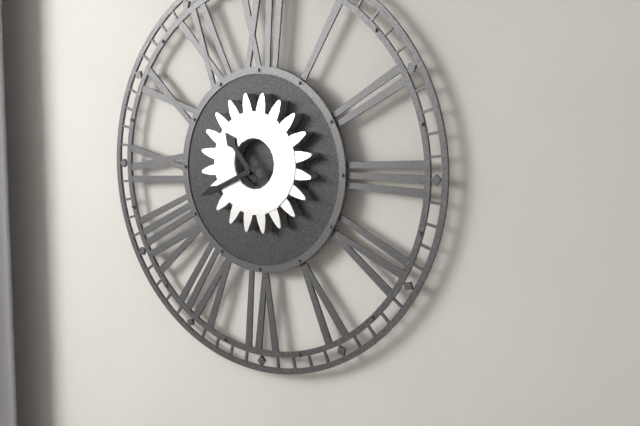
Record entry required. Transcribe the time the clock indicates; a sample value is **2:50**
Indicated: **10:41**
